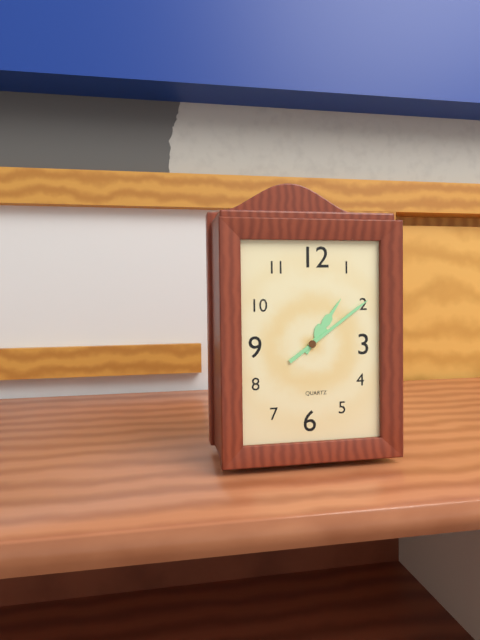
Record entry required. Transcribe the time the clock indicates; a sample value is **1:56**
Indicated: **1:09**
